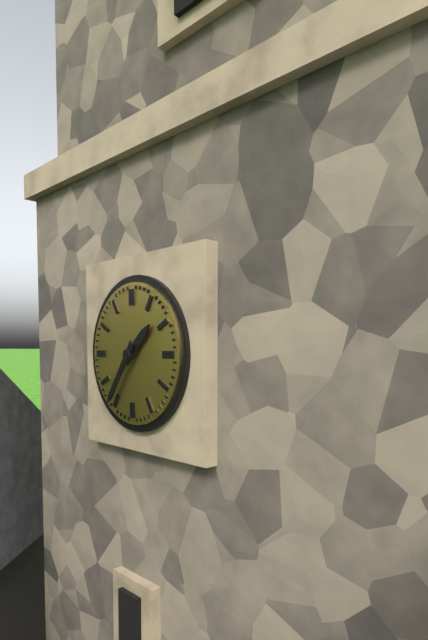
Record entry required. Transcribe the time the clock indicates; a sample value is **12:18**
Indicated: **1:36**
